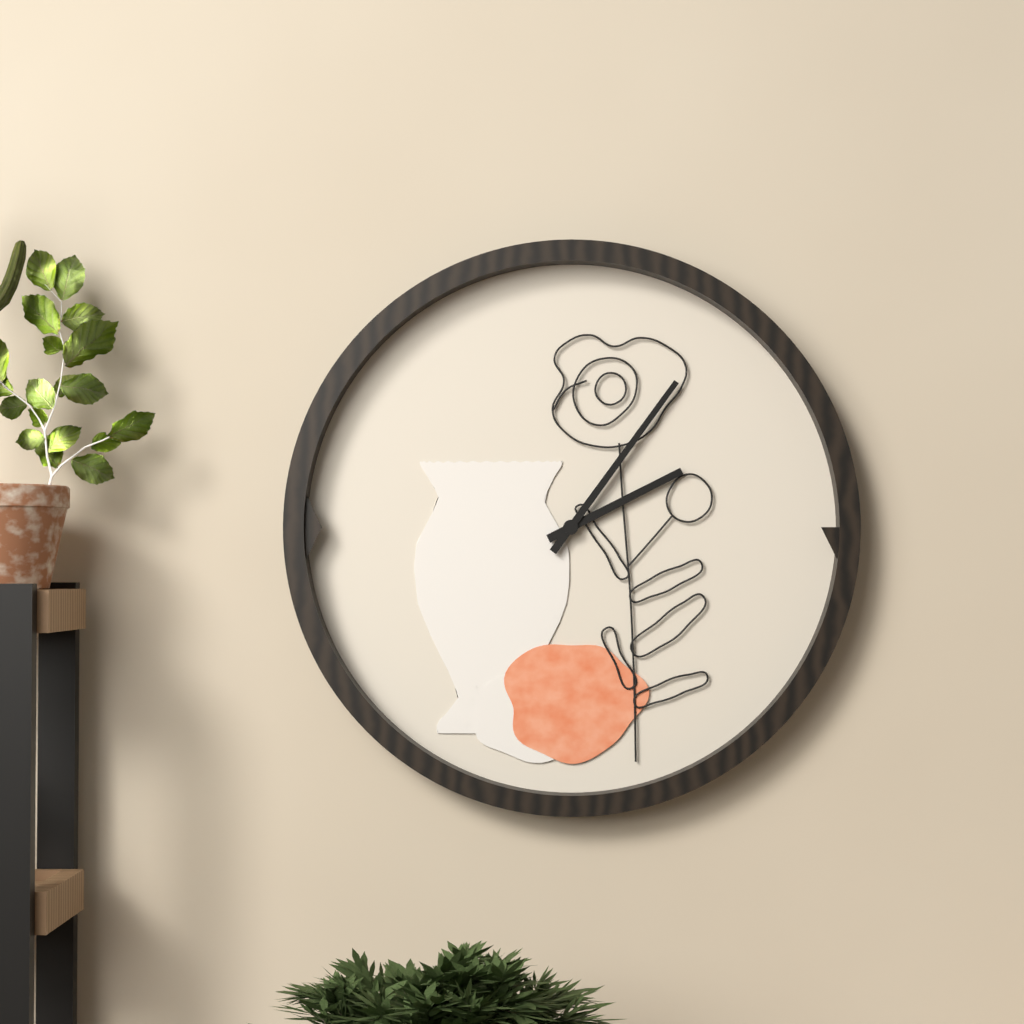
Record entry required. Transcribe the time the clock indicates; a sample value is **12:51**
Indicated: **2:06**
